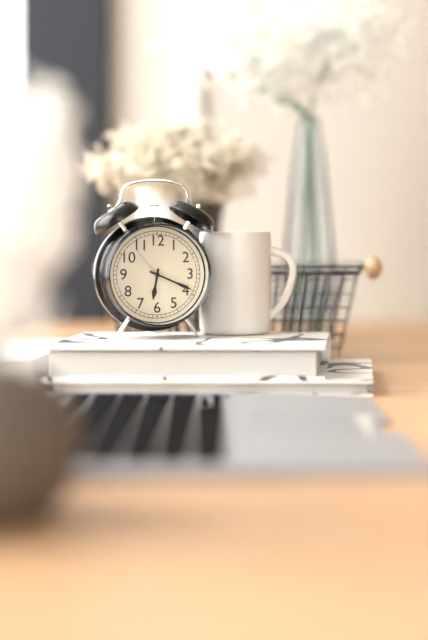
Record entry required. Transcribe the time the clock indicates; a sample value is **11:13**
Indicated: **6:19**
